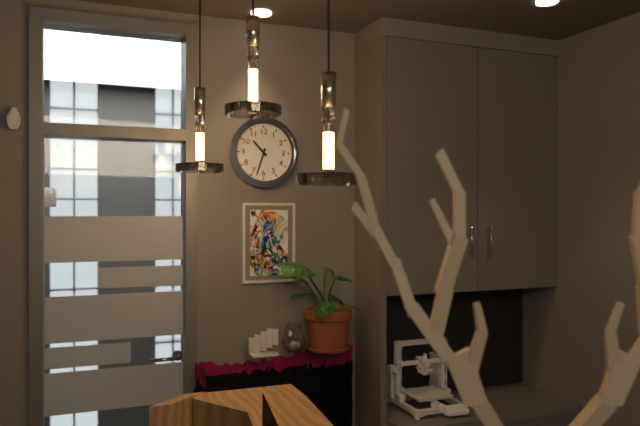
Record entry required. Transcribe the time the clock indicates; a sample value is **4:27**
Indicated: **10:33**
